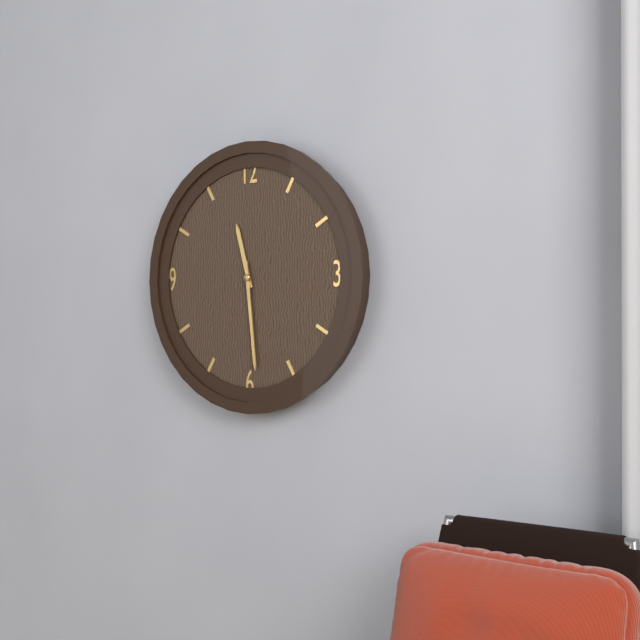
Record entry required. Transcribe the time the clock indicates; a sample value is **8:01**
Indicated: **11:29**
